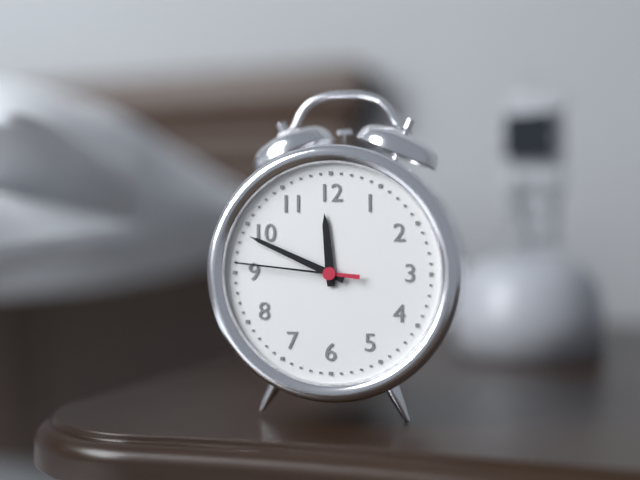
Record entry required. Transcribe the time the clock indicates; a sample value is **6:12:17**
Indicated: **11:49:46**
